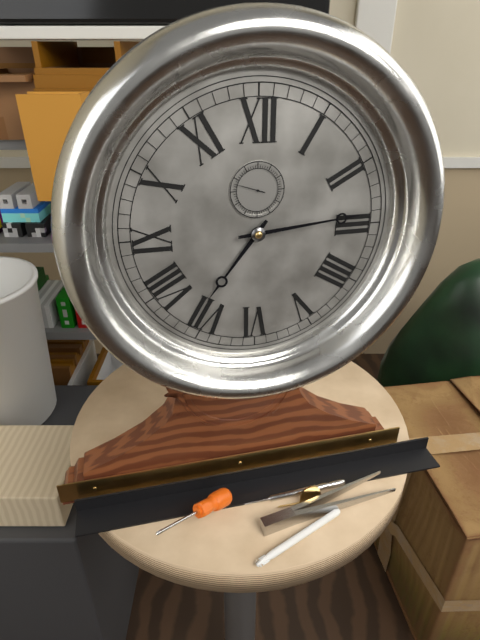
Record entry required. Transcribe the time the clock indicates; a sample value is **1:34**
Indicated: **7:14**
